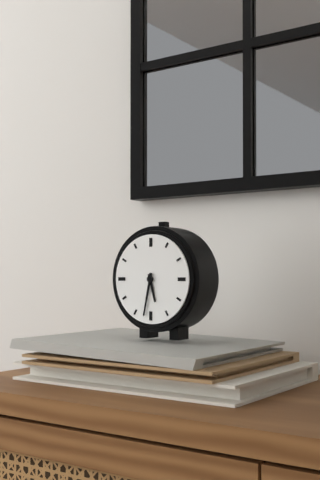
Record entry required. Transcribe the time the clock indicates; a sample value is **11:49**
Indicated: **5:32**
